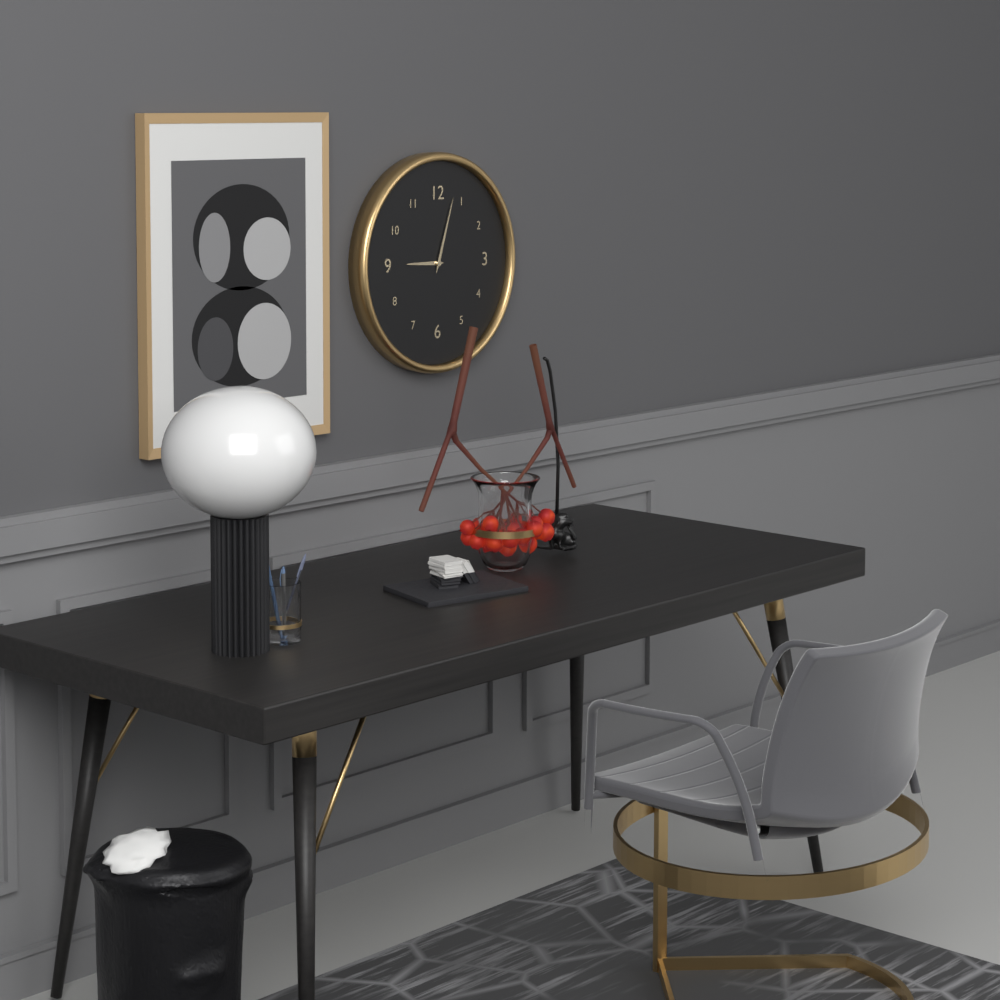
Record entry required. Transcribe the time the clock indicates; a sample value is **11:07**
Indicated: **9:03**
